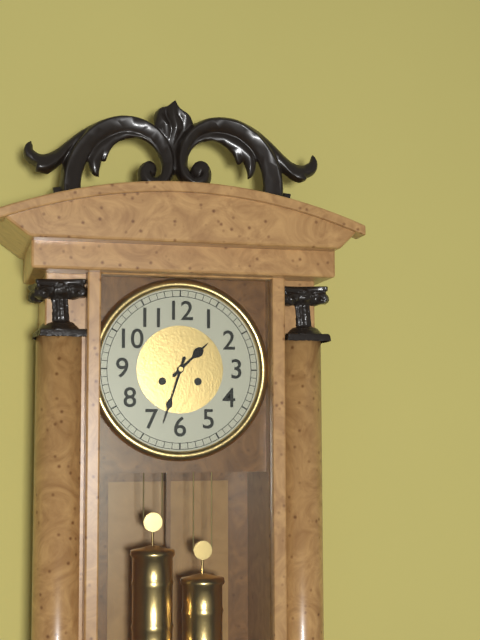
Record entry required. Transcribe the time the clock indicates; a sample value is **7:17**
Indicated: **1:33**
